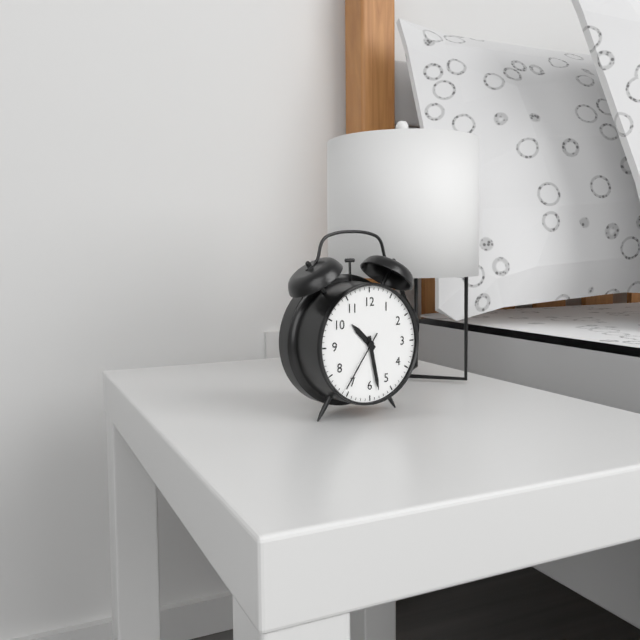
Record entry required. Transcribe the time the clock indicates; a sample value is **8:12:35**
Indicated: **10:28:36**
